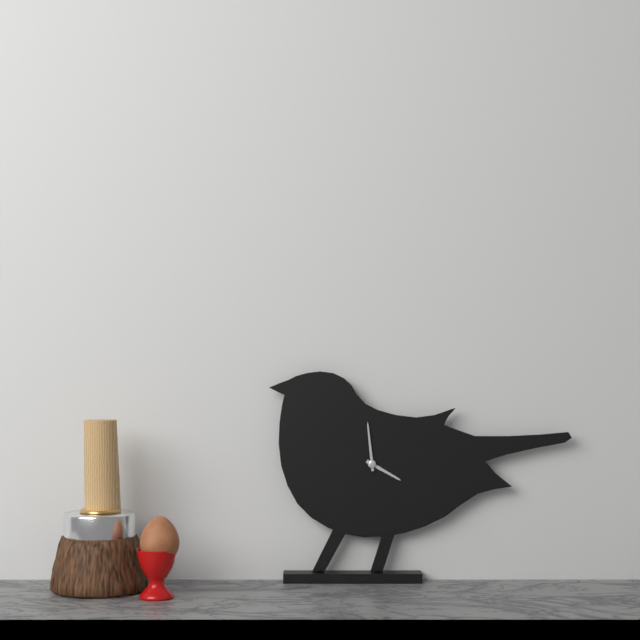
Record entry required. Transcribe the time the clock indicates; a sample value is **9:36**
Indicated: **3:59**
